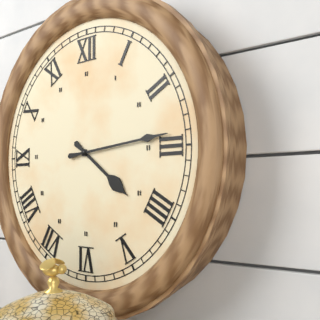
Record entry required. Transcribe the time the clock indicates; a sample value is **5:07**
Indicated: **4:14**
